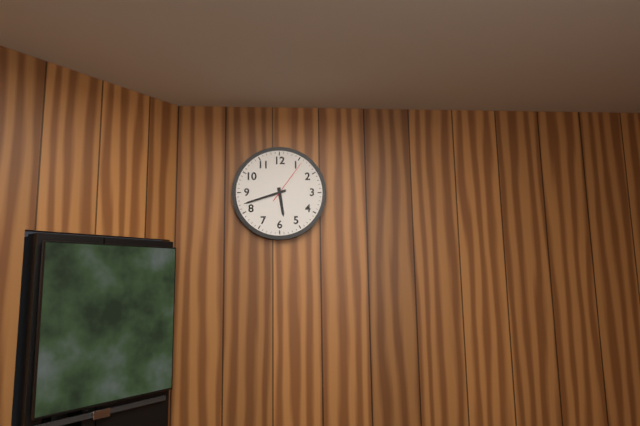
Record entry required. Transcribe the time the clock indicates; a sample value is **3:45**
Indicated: **5:42**
